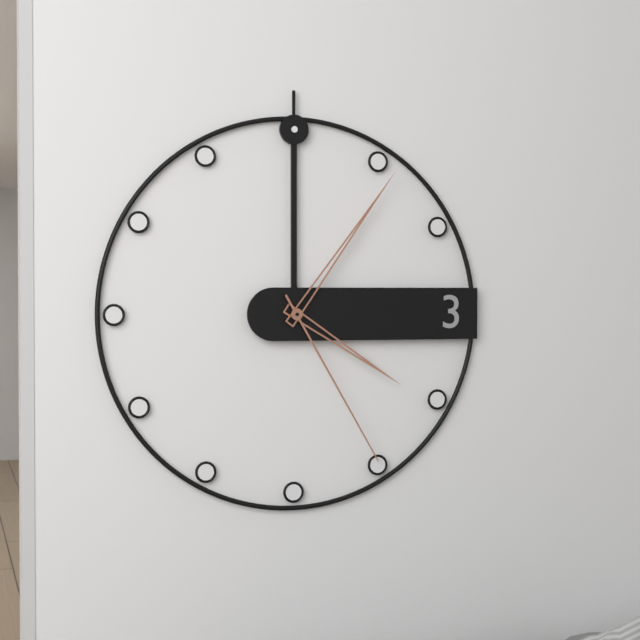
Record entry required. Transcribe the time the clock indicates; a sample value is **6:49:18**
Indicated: **4:06:25**
